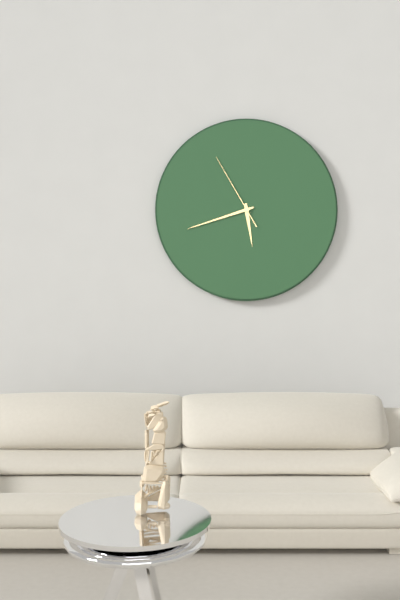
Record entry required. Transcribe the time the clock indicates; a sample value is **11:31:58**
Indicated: **5:42:55**
